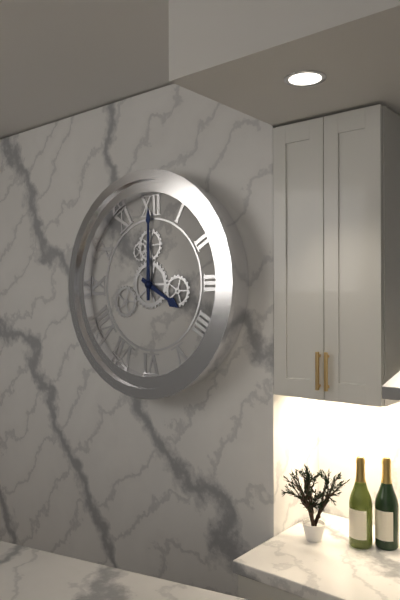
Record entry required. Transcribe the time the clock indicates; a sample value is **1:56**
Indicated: **4:00**
